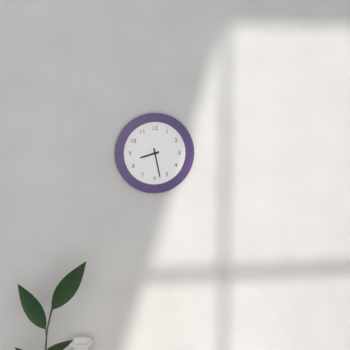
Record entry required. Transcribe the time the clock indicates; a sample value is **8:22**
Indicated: **8:28**
